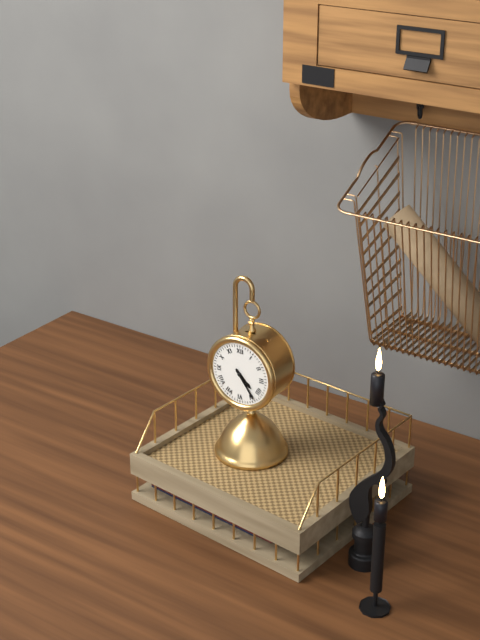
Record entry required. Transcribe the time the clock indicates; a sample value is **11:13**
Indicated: **4:24**
